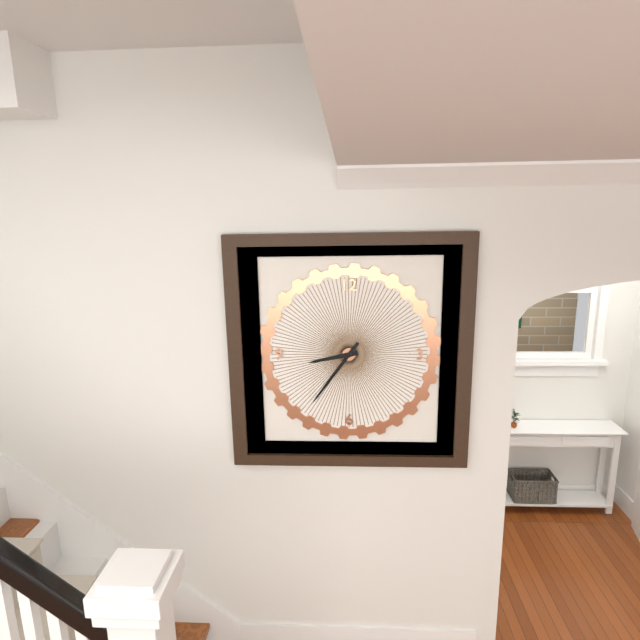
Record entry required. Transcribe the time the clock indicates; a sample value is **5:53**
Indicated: **8:36**
